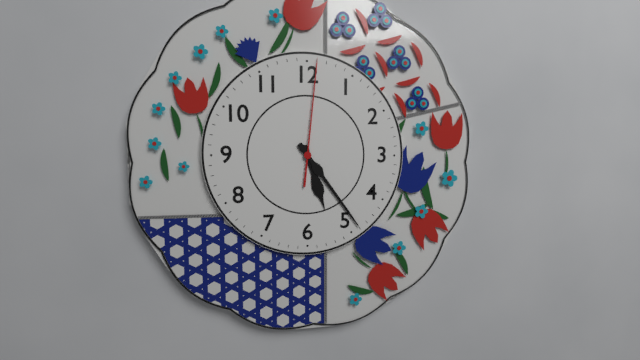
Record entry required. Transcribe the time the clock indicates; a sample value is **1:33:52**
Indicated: **5:24:01**
